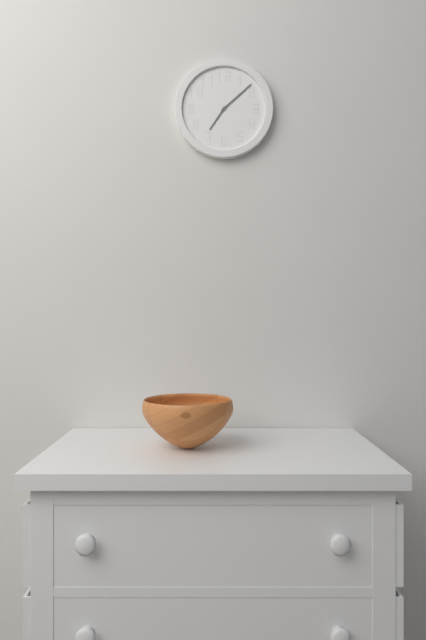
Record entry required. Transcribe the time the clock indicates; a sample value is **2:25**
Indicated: **7:08**
